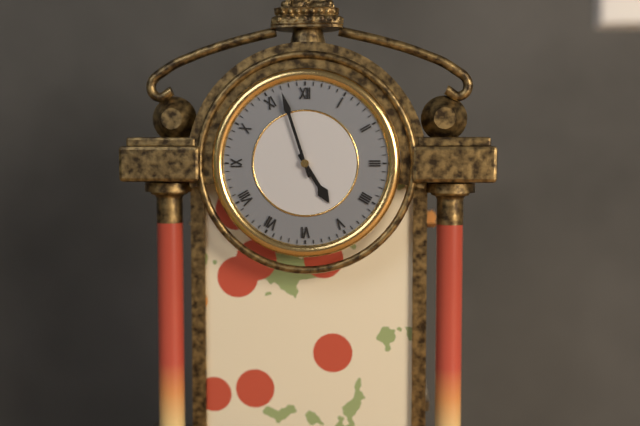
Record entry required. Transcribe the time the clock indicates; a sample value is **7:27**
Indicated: **4:57**
